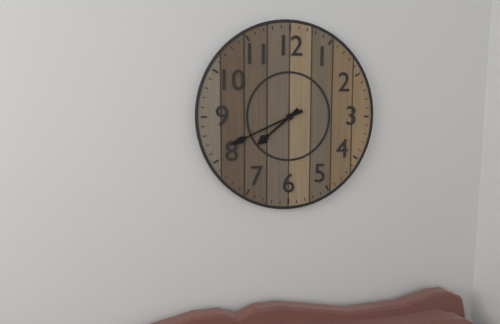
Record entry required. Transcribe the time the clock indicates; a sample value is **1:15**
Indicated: **7:41**
